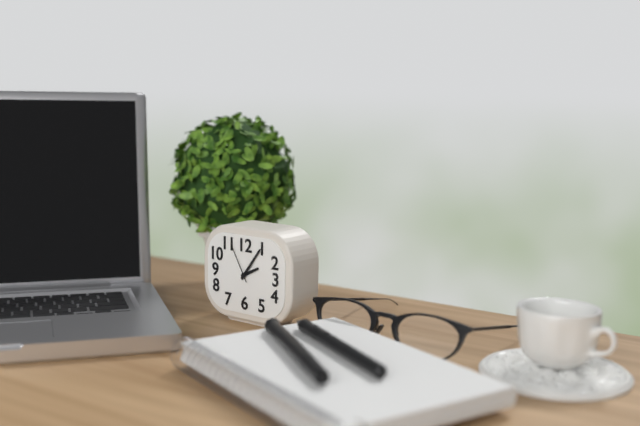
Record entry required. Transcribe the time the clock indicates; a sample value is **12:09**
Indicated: **2:06**
